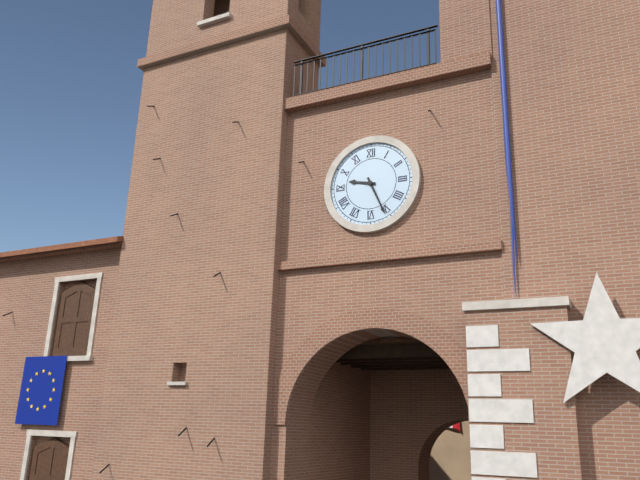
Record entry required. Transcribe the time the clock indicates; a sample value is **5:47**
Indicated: **9:26**
